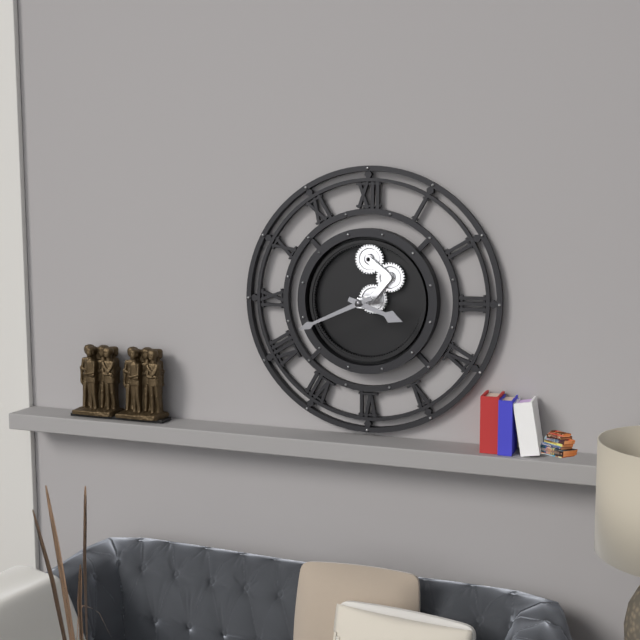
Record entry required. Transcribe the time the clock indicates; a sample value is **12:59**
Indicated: **3:41**
